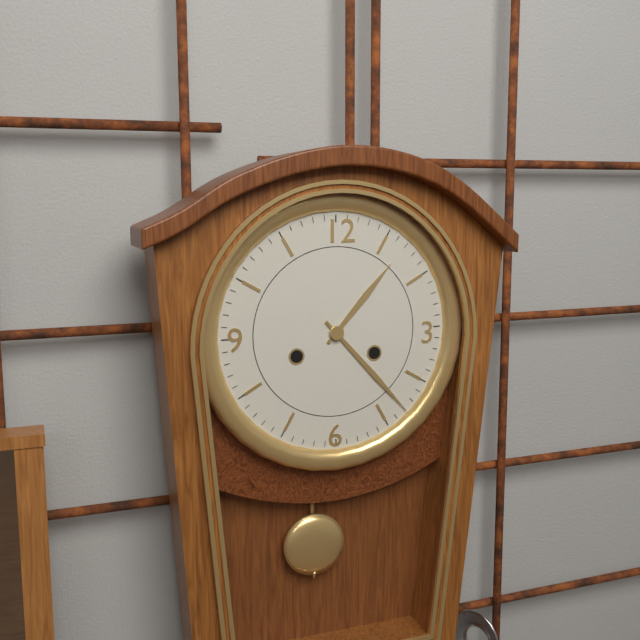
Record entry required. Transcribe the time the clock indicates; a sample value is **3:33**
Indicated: **1:23**
